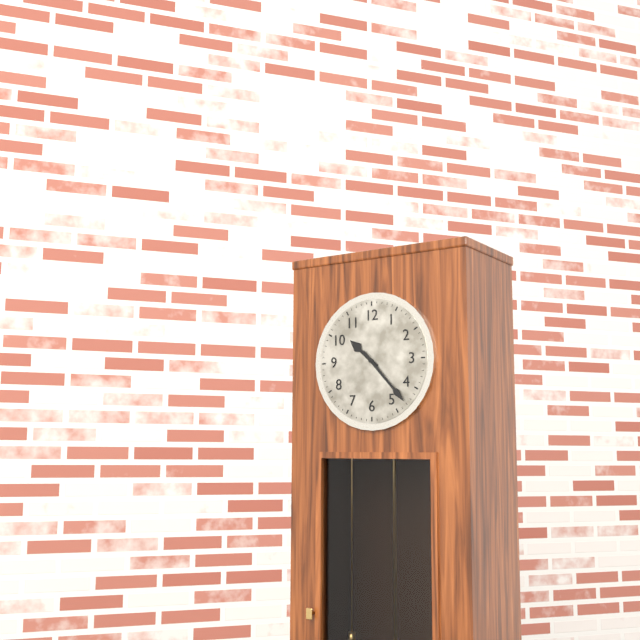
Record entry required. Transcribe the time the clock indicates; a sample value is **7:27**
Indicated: **10:23**
